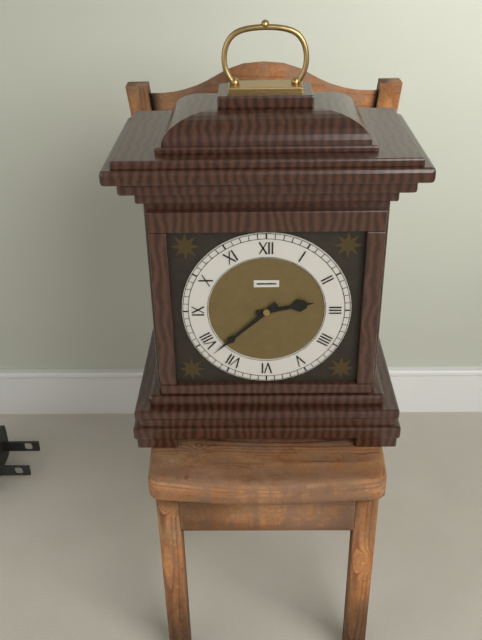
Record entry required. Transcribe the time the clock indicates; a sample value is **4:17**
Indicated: **2:38**
